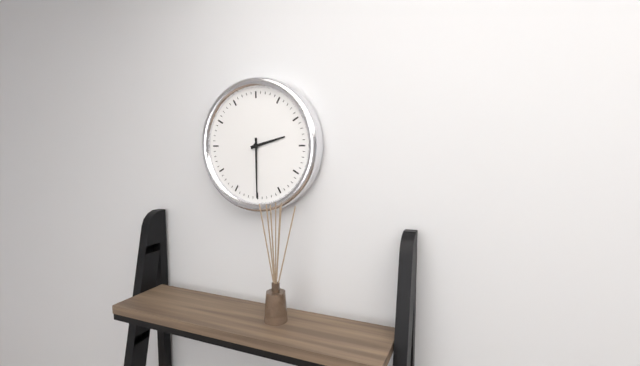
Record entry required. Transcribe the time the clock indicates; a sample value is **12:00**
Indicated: **2:30**
